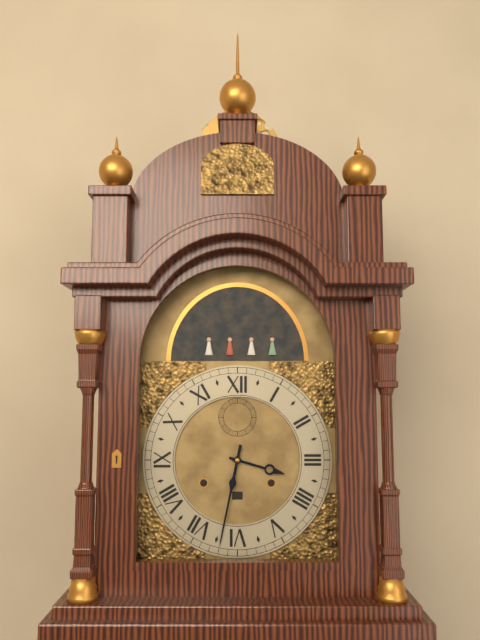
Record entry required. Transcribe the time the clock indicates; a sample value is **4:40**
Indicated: **3:32**
